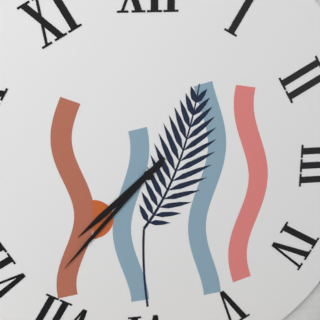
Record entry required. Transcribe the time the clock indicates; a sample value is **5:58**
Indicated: **7:37**
